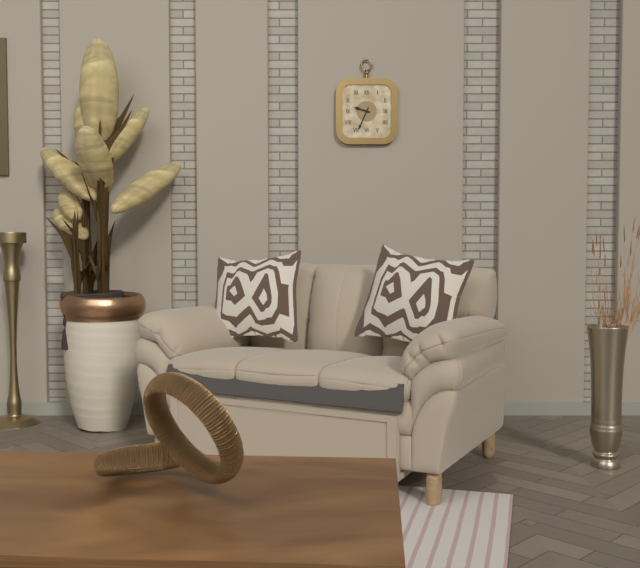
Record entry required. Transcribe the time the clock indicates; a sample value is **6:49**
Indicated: **9:34**
